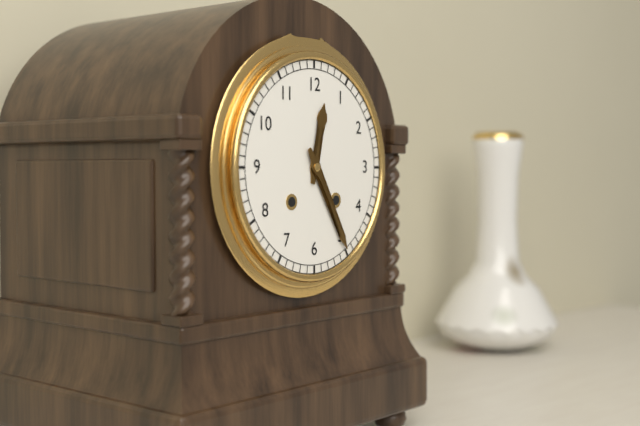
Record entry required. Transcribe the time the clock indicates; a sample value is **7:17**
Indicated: **12:25**
